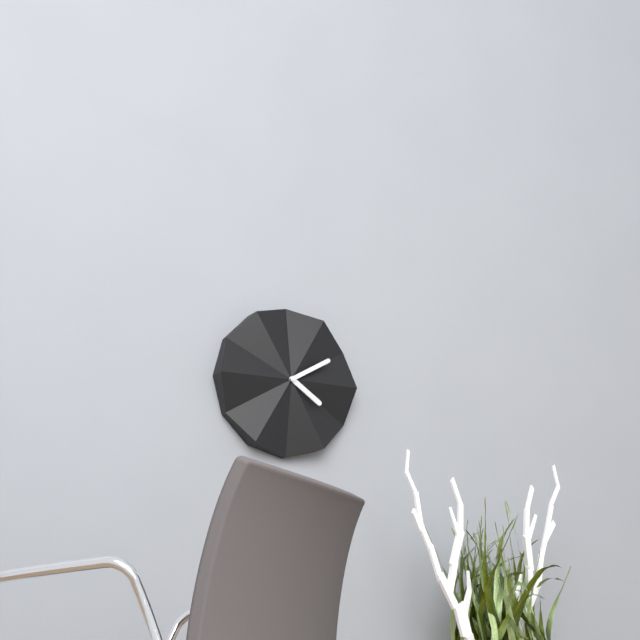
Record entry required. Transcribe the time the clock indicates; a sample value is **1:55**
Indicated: **4:10**
